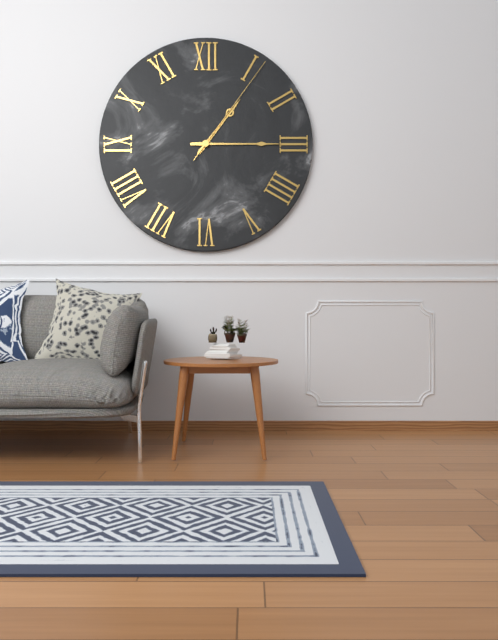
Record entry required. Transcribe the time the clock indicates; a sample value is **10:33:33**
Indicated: **1:15:06**
